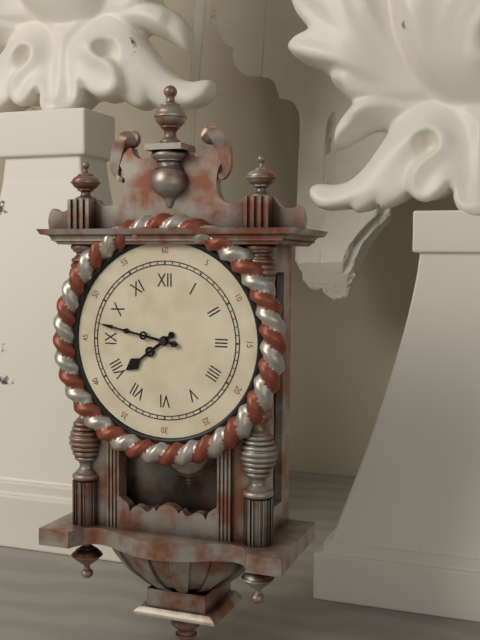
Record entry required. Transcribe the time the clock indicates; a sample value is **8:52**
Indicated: **7:47**
